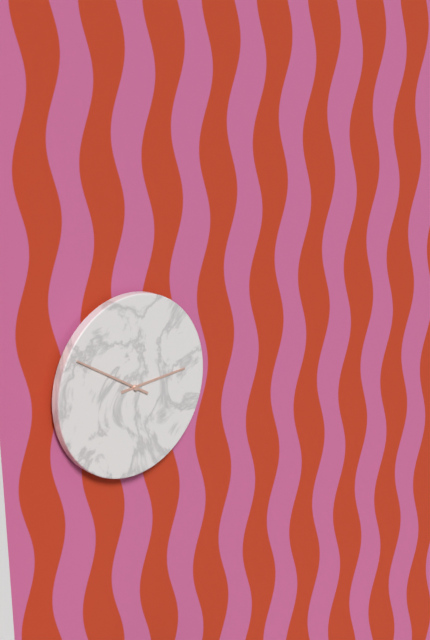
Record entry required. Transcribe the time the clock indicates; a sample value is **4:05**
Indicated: **2:50**
